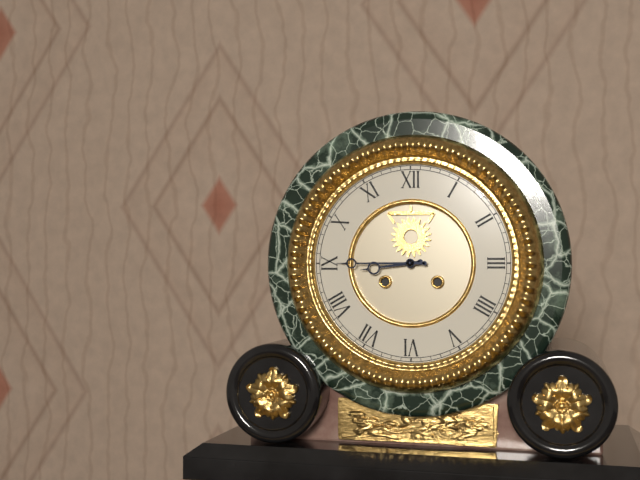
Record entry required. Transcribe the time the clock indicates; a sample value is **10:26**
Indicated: **8:45**
